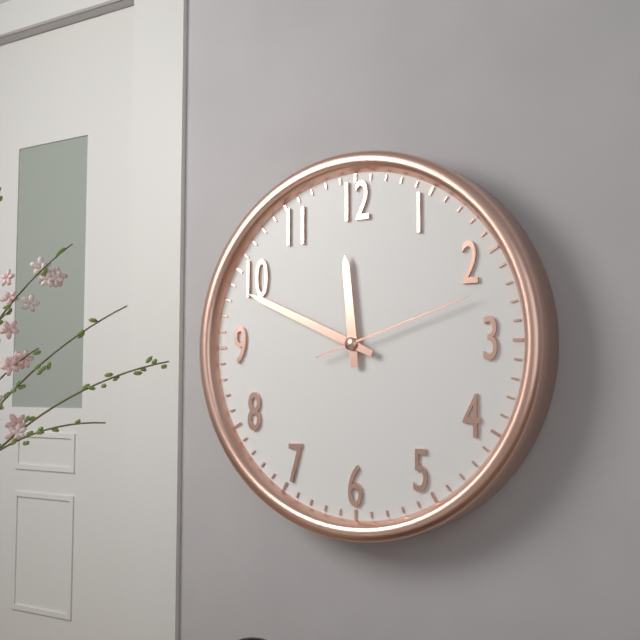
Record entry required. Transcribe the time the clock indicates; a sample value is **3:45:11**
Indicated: **11:49:12**
